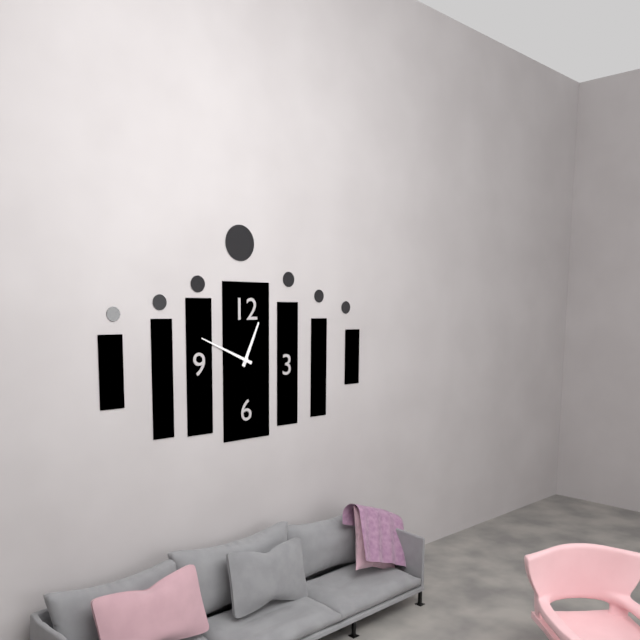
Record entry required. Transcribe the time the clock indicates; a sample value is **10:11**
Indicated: **12:49**
